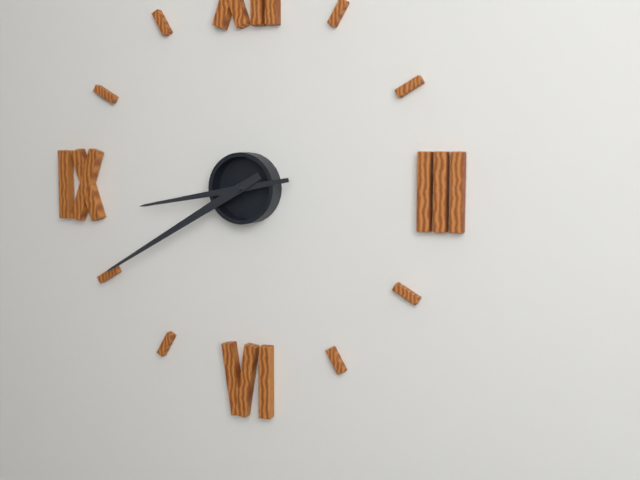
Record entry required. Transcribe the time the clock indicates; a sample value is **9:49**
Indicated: **8:40**
